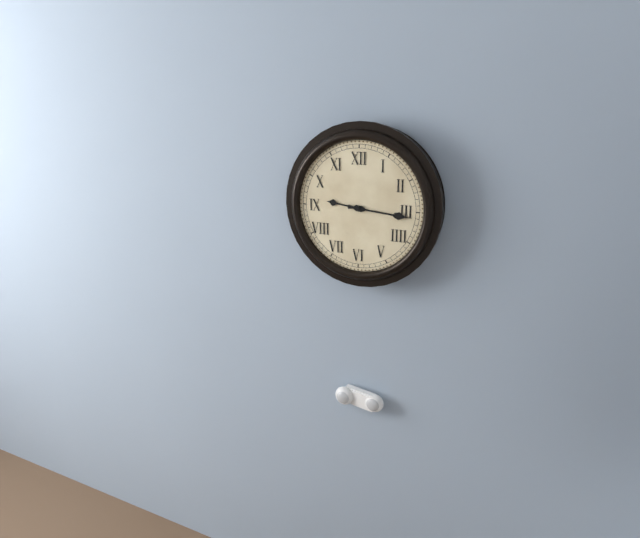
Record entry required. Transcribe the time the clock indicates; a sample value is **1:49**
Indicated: **9:16**
